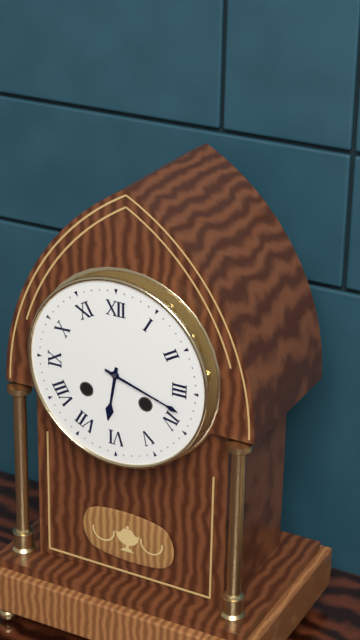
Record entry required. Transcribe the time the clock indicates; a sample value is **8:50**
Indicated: **6:18**
